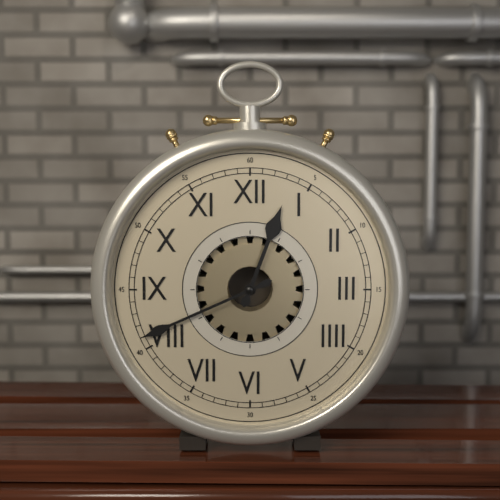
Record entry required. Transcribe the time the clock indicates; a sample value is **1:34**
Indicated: **12:41**
